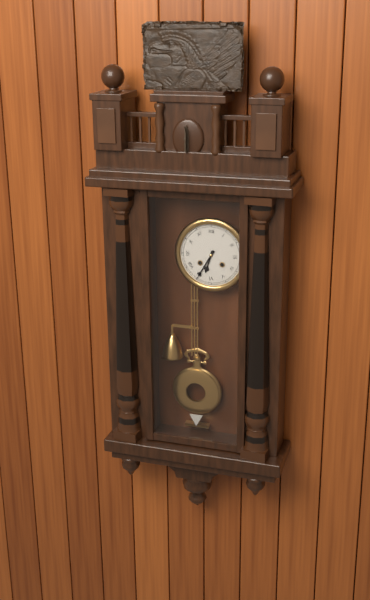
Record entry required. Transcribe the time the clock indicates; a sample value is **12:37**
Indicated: **6:35**
